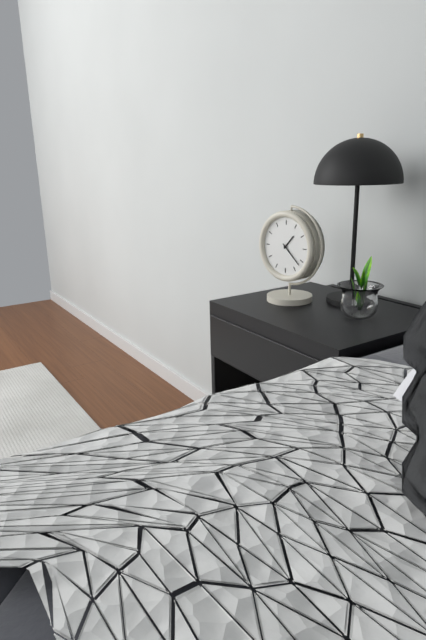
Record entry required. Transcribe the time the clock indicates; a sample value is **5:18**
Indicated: **1:22**
